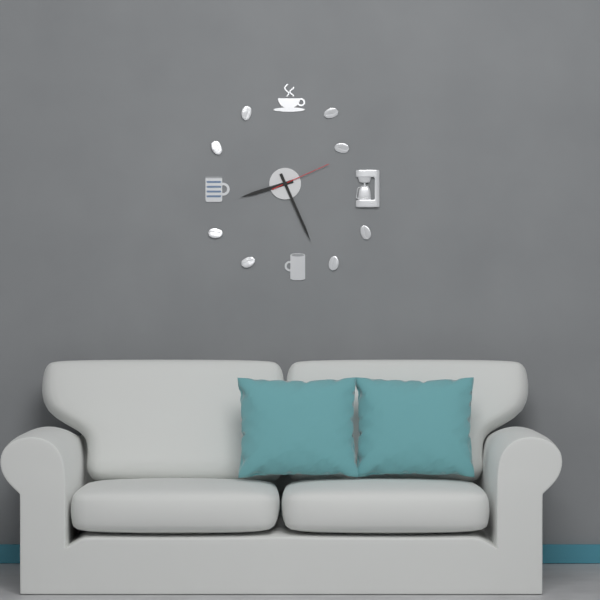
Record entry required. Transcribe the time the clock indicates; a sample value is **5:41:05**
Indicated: **8:26:11**
